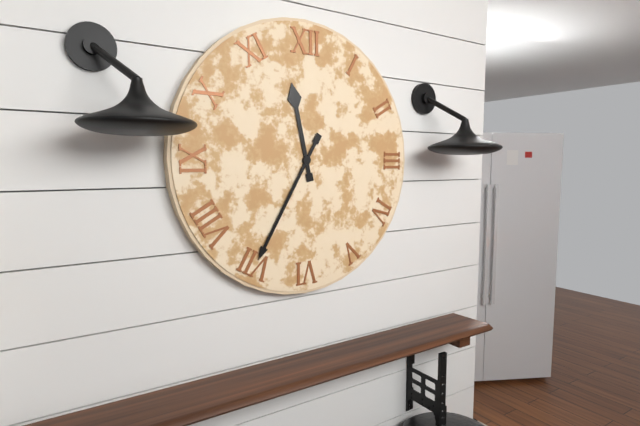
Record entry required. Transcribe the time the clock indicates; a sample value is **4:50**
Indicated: **11:35**
